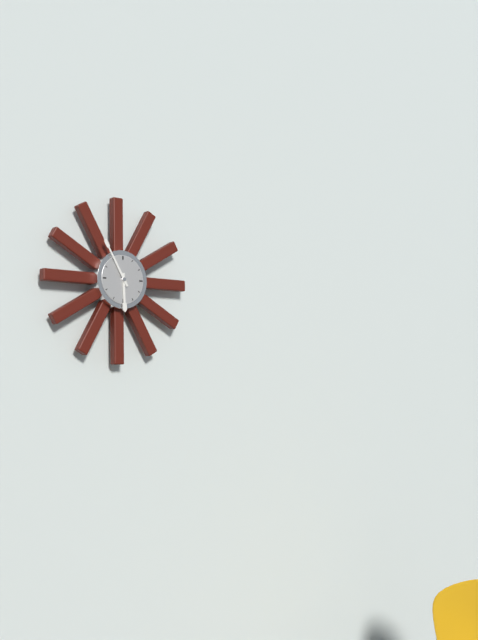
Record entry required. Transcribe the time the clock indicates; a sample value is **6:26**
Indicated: **5:55**
